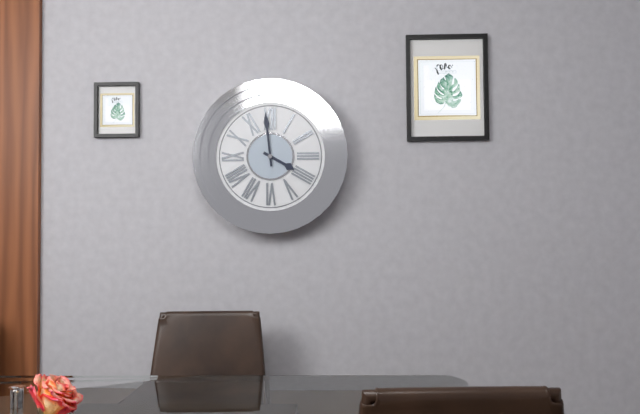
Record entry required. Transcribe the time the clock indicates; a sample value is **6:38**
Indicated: **3:59**
